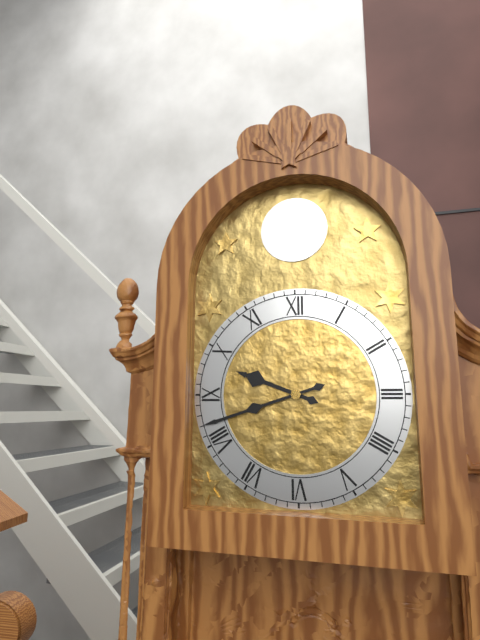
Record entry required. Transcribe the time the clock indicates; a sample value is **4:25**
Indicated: **9:42**
